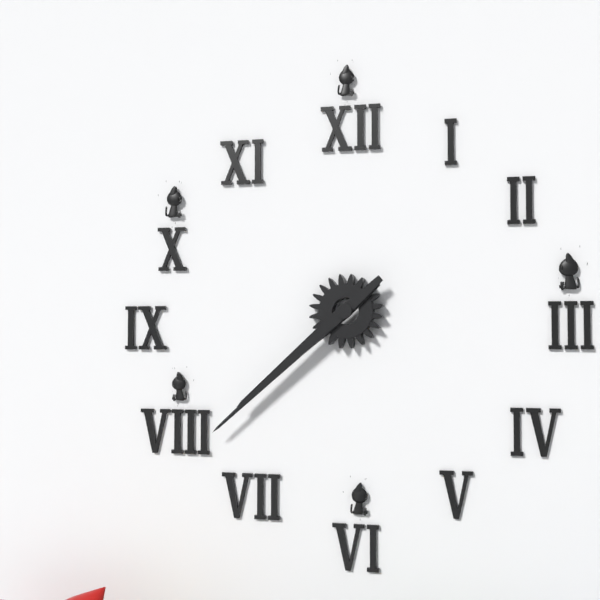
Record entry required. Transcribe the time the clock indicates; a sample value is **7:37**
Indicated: **7:38**
